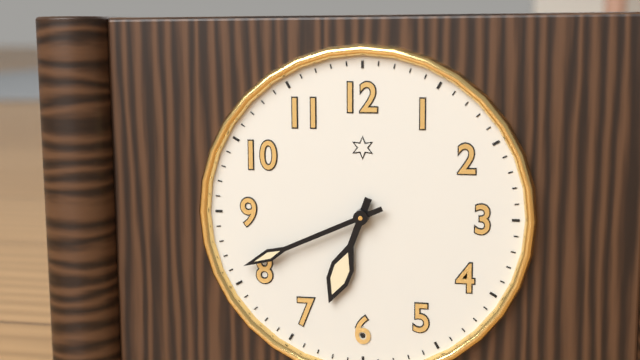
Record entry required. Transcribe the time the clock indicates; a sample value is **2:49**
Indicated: **6:41**
